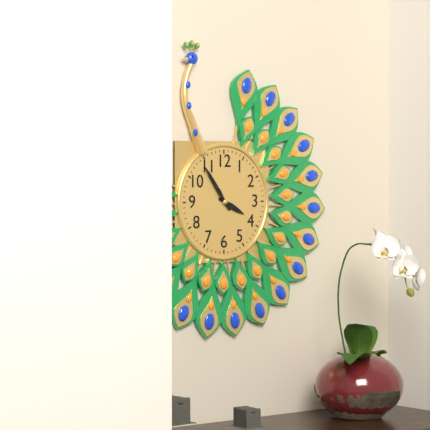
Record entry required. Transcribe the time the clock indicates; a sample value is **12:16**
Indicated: **3:54**
